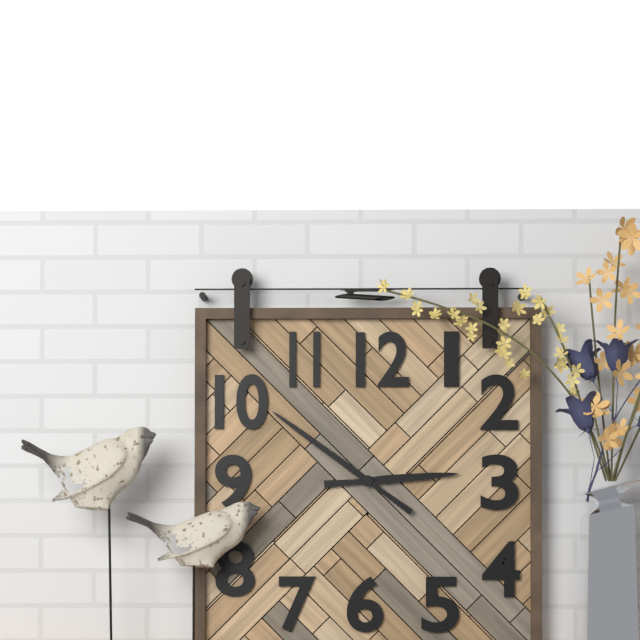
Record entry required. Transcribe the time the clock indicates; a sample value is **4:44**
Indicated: **2:51**
